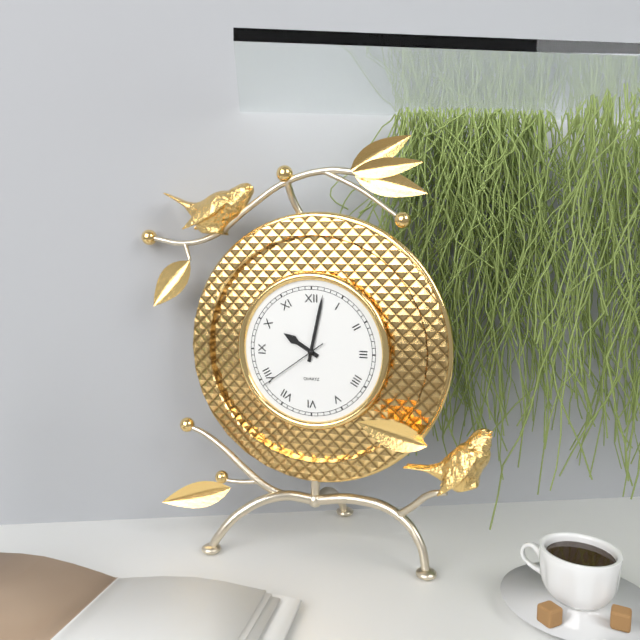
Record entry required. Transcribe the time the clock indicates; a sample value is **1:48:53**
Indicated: **10:02:39**
